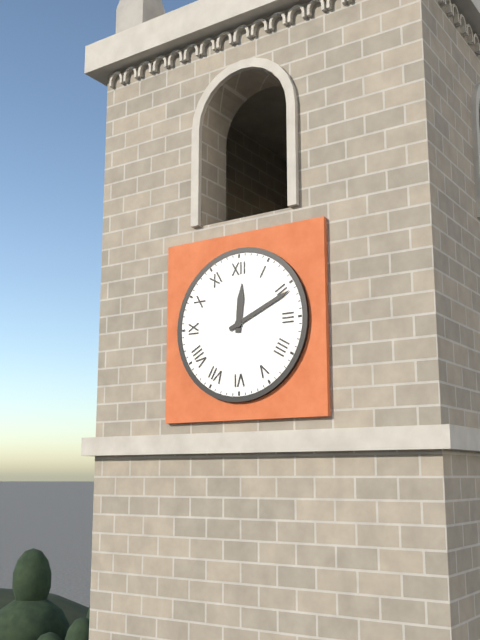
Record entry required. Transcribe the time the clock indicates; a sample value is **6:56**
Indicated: **12:11**
